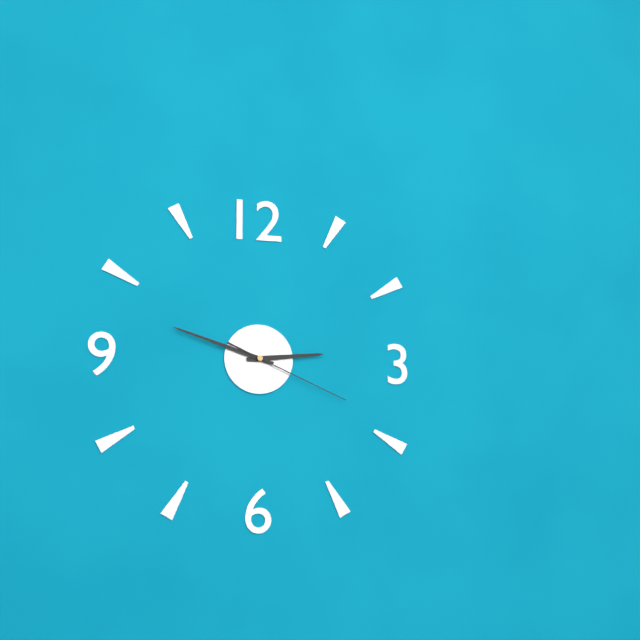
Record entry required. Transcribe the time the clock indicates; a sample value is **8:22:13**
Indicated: **2:48:19**
